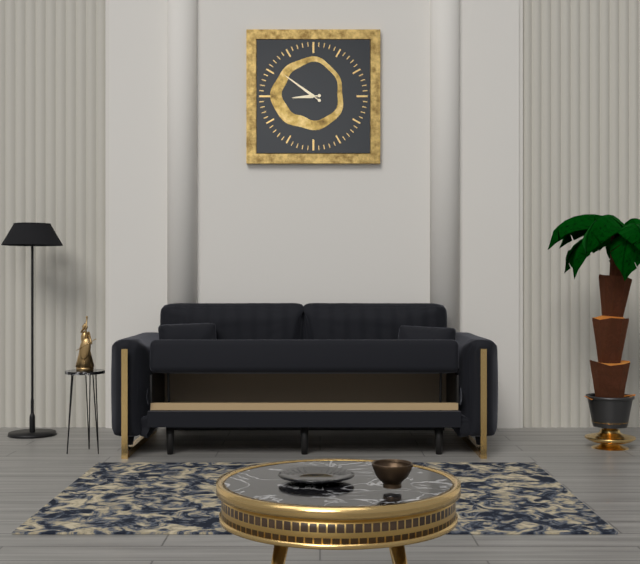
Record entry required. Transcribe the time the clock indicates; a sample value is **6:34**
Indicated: **8:51**
